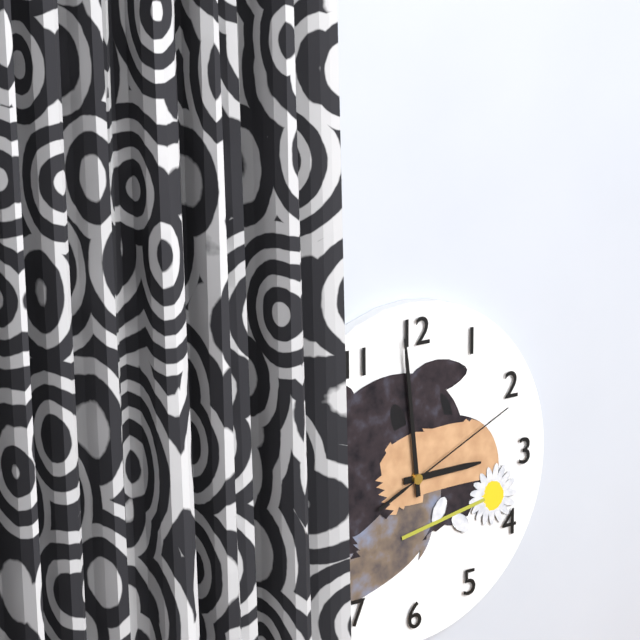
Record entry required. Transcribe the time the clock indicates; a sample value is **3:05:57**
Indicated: **2:59:11**
